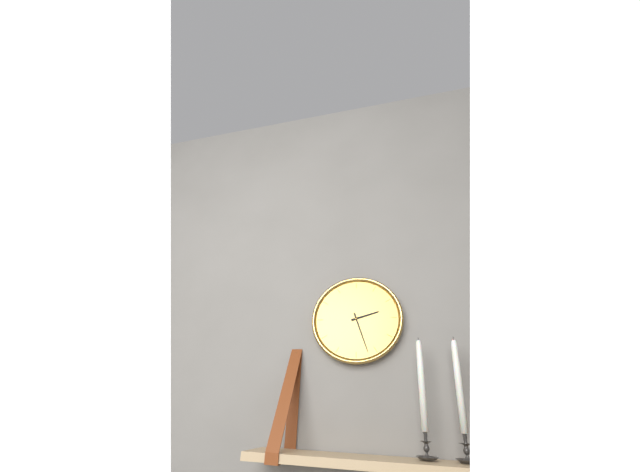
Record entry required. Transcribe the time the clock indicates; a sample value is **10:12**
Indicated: **2:27**
